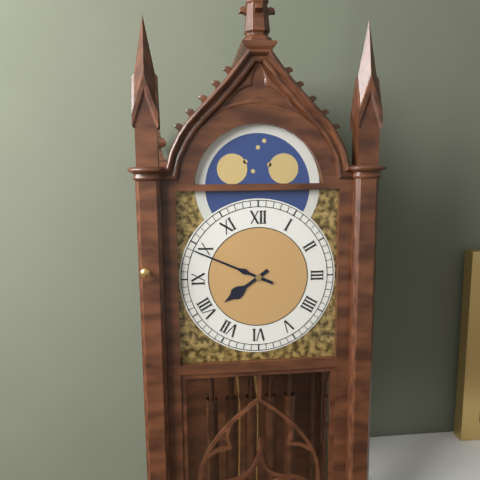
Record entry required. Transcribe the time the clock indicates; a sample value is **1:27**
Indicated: **7:49**
